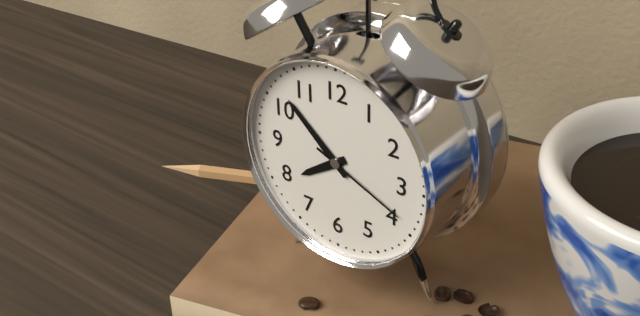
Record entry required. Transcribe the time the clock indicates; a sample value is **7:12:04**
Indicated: **7:52:19**
